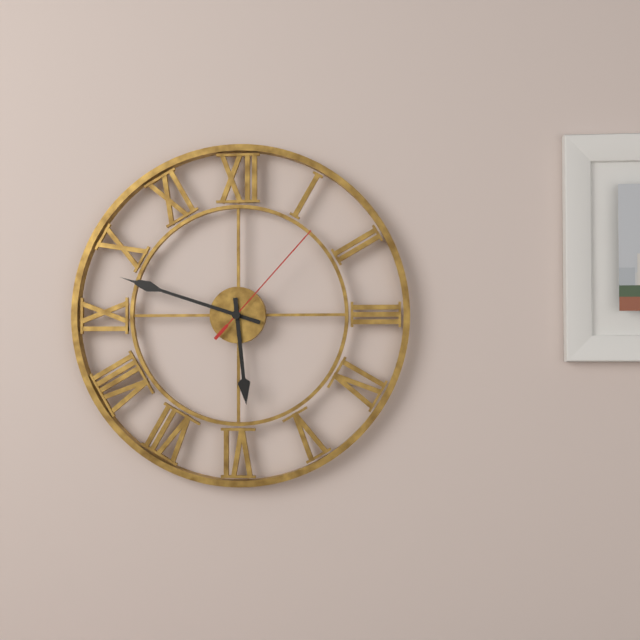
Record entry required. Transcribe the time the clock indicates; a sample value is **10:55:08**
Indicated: **5:48:07**
